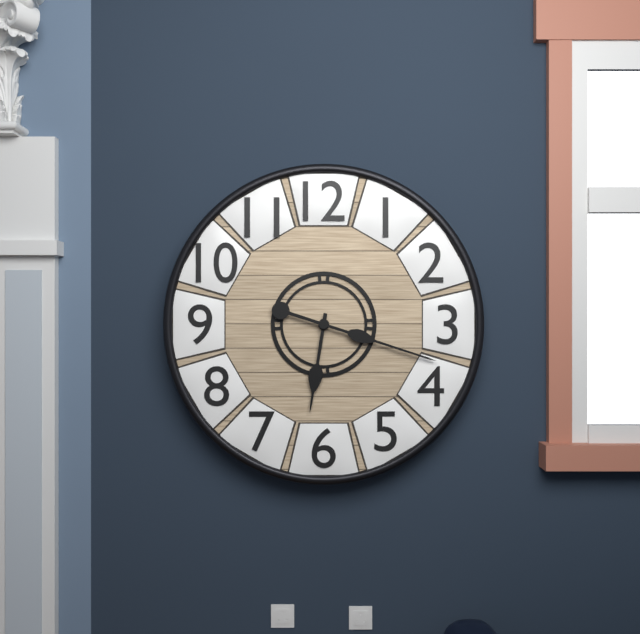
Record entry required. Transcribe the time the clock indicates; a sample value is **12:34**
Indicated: **6:18**
